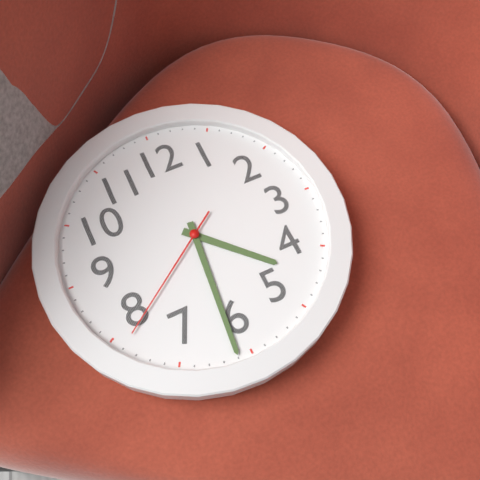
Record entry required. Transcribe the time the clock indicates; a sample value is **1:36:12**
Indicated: **4:31:39**
